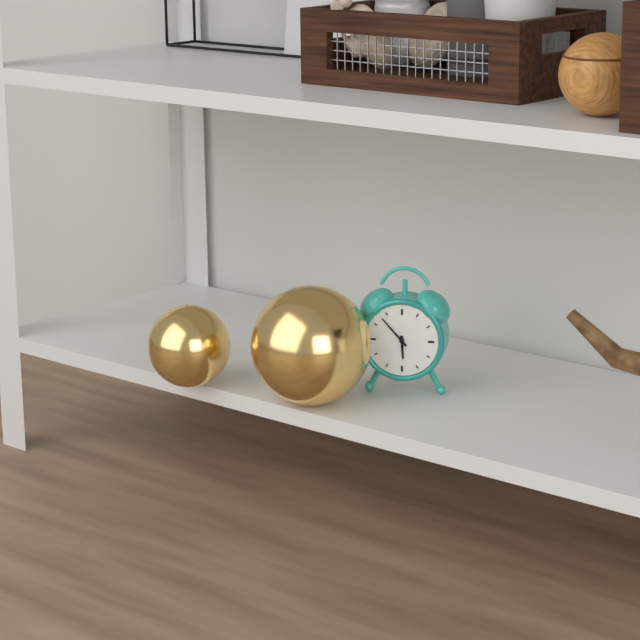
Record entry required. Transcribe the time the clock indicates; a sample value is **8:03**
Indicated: **5:53**
